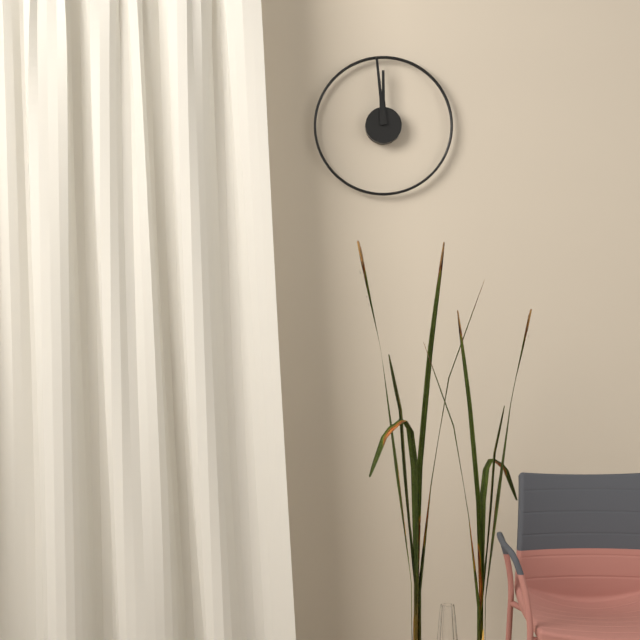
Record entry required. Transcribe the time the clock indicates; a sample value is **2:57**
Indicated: **11:59**
